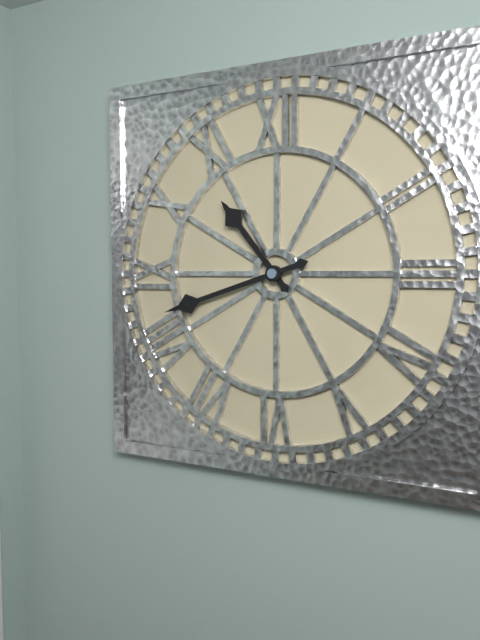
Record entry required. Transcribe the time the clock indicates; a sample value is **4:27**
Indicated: **10:42**
